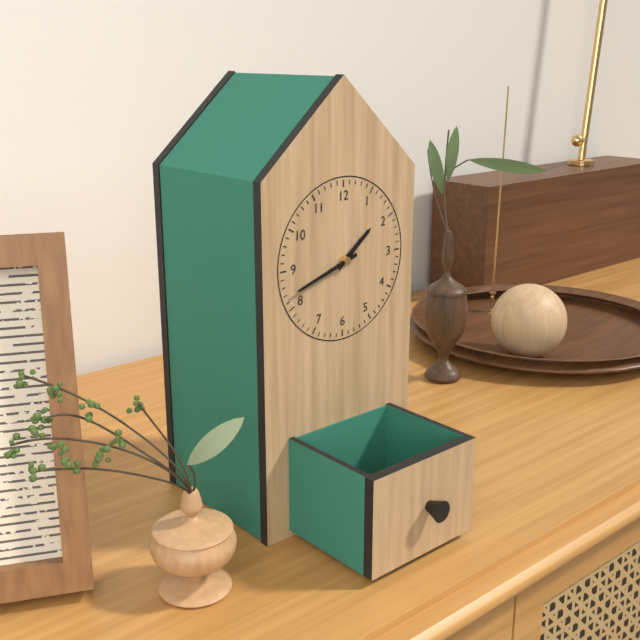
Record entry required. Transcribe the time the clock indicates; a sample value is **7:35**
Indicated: **1:42**
